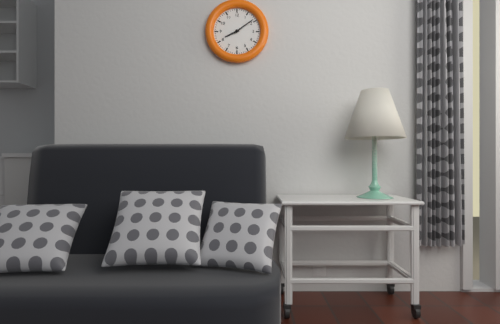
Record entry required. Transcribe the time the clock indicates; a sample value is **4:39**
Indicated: **8:09**
